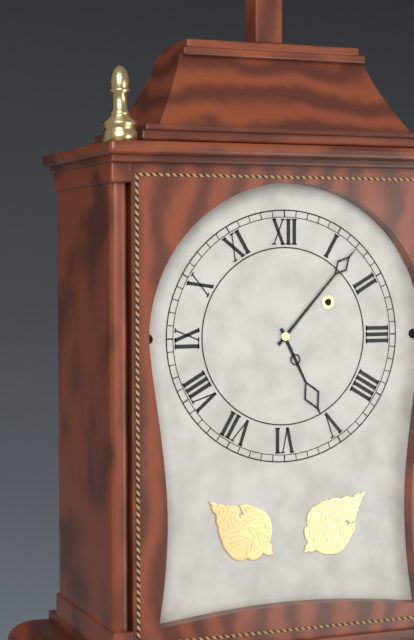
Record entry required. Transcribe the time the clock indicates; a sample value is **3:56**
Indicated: **5:07**
